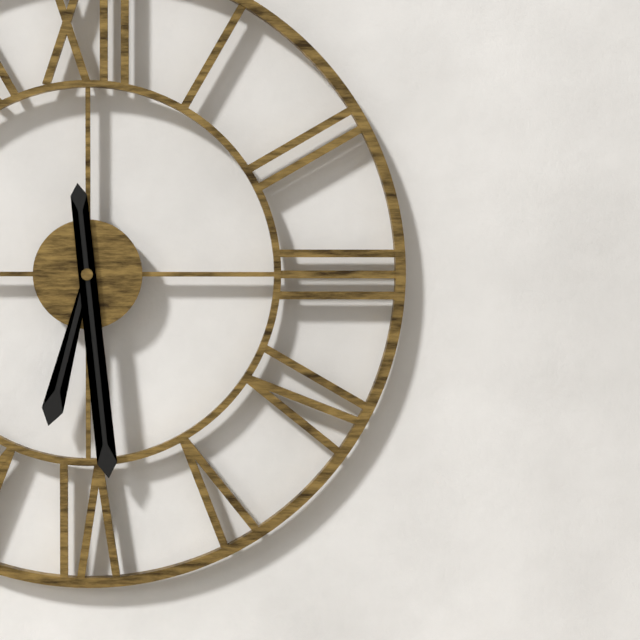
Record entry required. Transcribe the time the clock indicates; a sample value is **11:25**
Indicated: **6:29**
